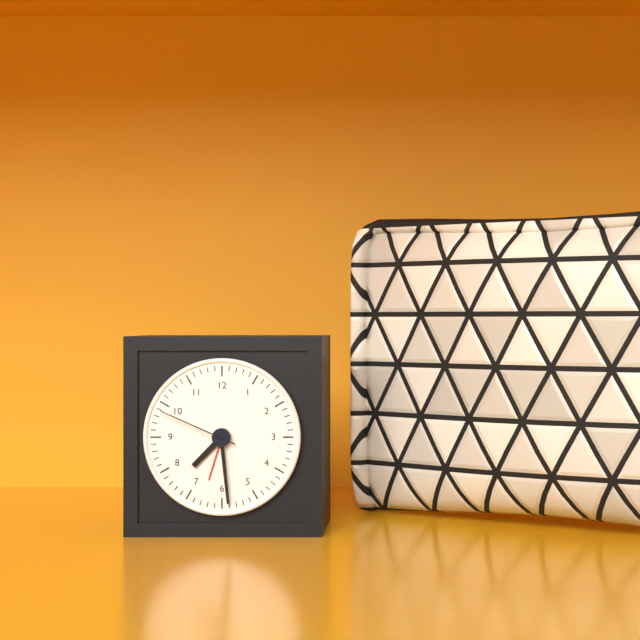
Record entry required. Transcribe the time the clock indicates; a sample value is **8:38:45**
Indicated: **7:29:49**
